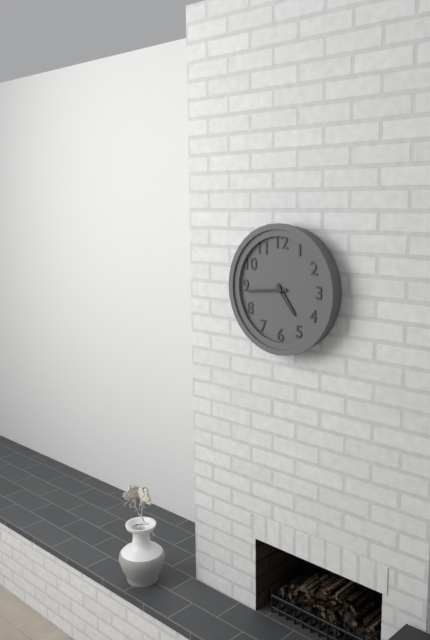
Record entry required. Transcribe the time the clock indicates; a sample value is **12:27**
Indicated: **4:44**
